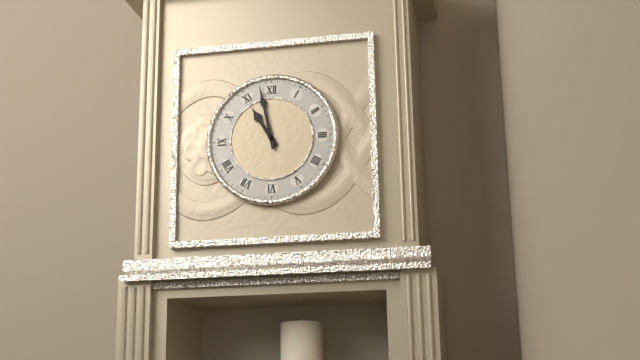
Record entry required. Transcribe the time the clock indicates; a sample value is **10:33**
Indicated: **10:58**
